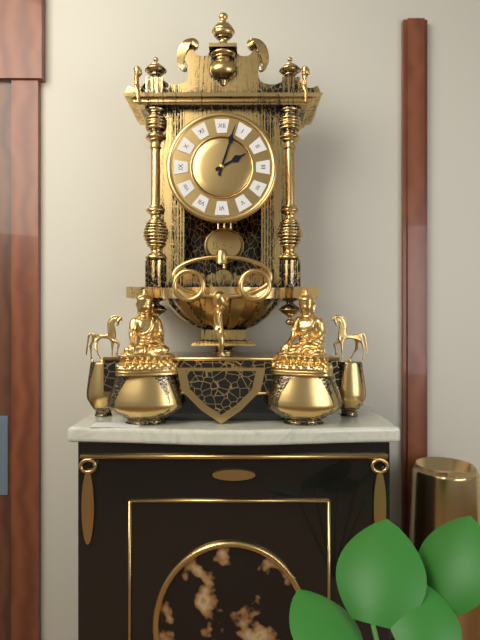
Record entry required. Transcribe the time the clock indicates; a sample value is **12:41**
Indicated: **2:03**
